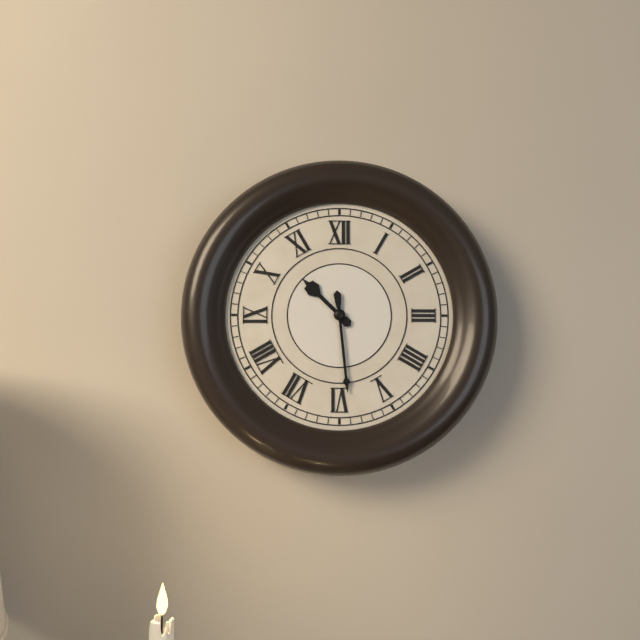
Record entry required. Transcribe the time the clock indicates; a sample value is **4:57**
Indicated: **10:29**
